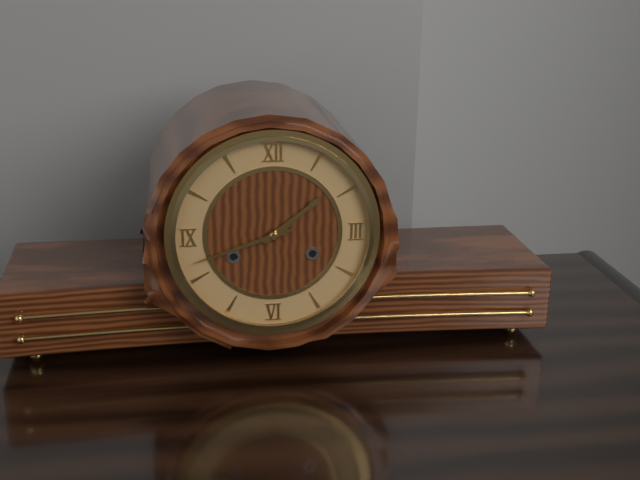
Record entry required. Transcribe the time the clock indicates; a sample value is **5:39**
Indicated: **1:42**
